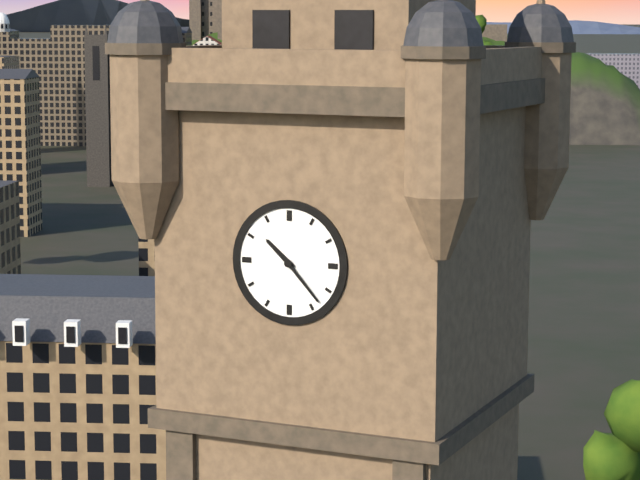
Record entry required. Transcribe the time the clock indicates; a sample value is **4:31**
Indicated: **10:23**
